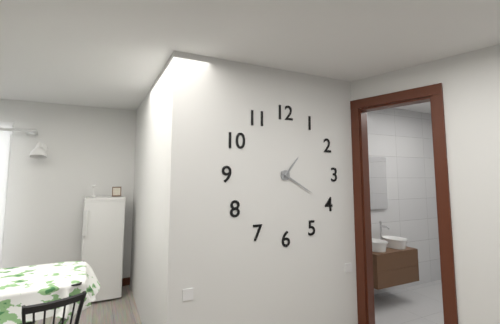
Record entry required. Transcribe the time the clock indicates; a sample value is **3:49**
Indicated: **1:20**
